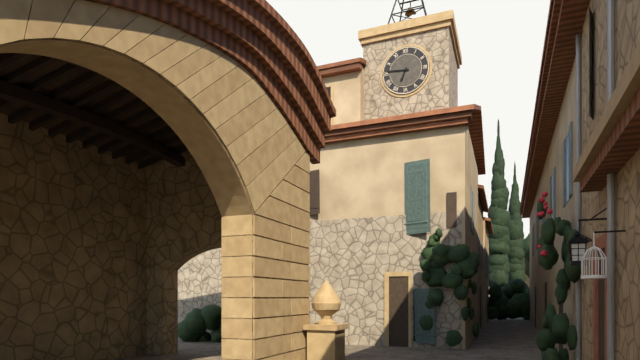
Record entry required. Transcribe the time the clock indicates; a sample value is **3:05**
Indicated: **6:46**
